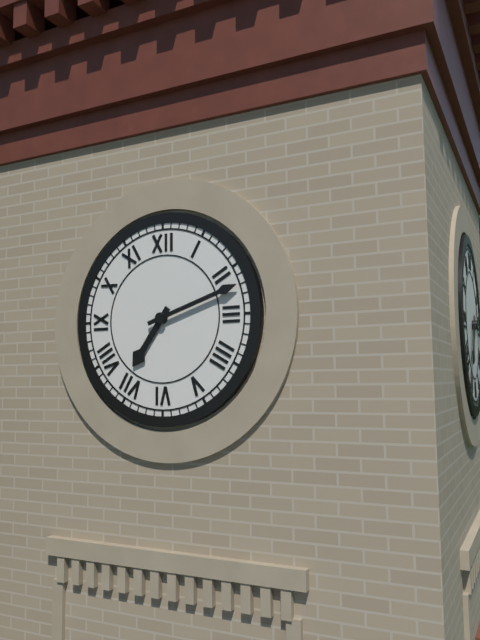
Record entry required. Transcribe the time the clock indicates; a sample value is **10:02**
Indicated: **7:12**
